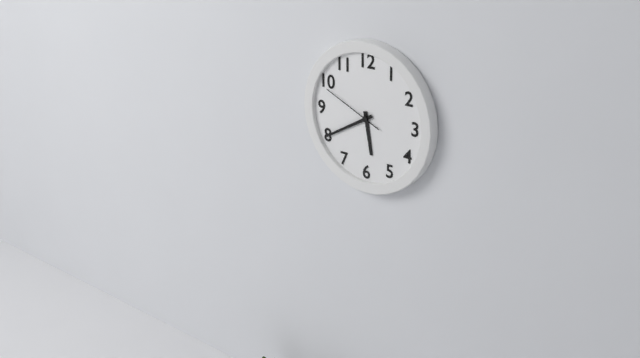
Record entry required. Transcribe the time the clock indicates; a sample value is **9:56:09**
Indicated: **5:40:49**
